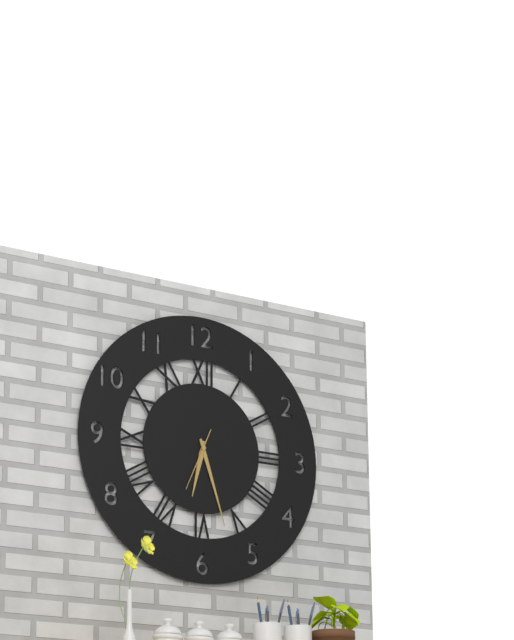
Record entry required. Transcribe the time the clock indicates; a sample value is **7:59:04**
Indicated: **6:27:34**
